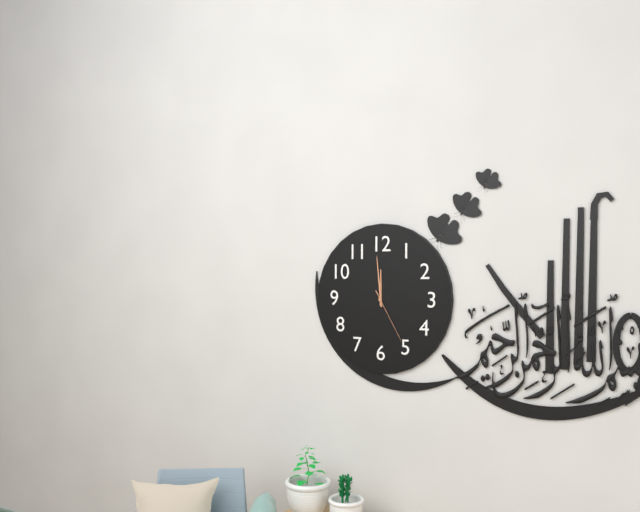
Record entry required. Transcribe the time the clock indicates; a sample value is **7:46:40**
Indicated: **11:59:25**
